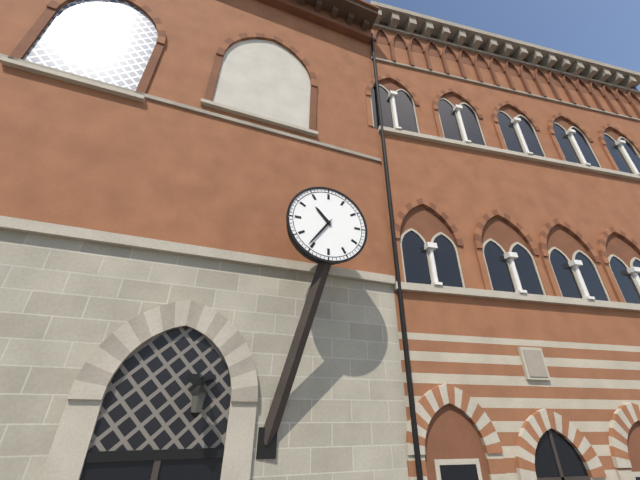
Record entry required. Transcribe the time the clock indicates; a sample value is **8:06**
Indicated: **10:36**
